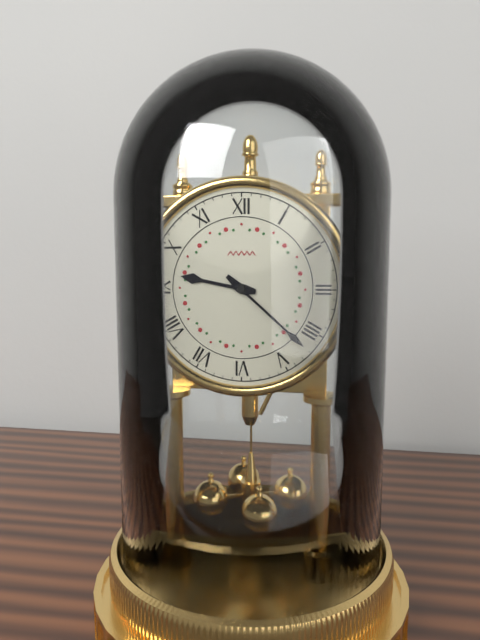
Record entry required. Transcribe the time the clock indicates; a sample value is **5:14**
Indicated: **9:22**
